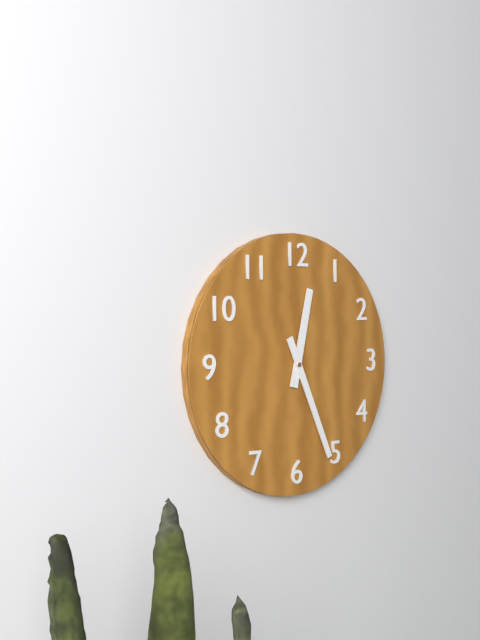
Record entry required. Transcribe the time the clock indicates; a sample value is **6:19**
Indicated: **12:26**
